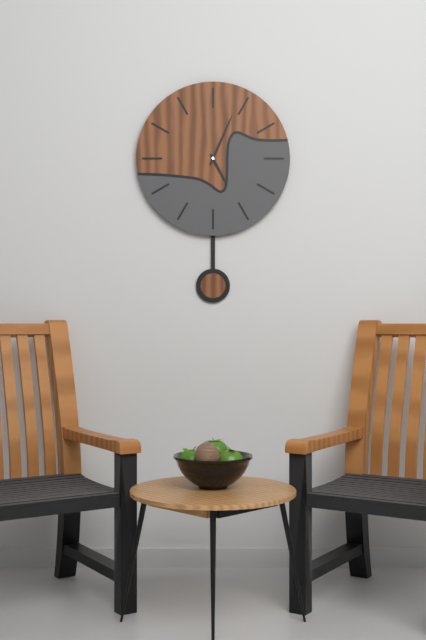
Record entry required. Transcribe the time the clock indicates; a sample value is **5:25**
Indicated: **5:04**
